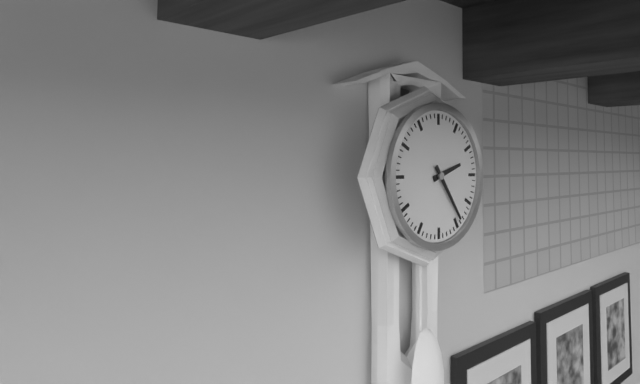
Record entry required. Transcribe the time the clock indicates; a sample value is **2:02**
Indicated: **2:24**
